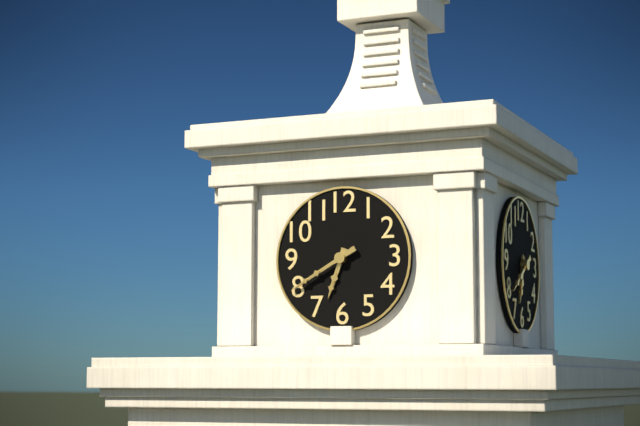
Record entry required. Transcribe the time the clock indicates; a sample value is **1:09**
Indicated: **6:40**
